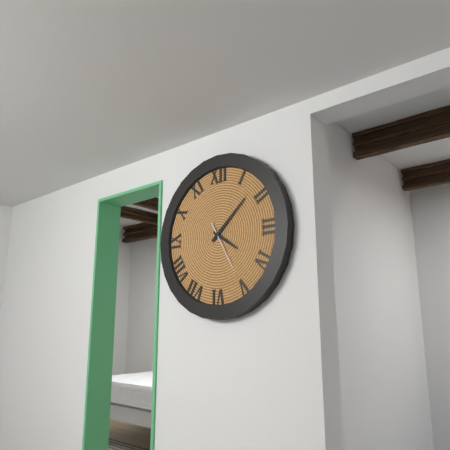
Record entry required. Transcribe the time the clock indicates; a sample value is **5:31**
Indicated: **4:08**
